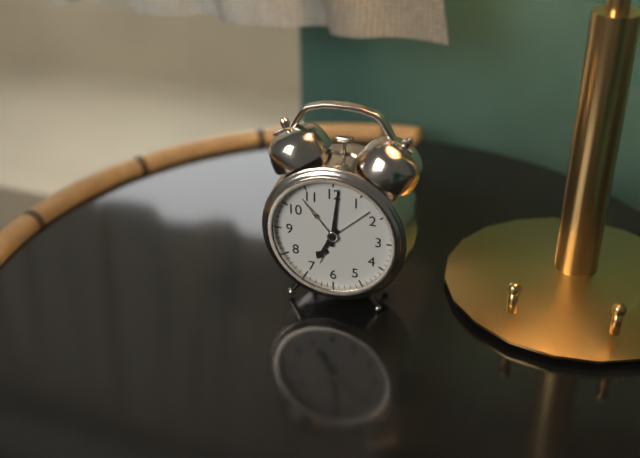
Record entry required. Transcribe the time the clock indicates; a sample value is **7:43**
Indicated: **7:01**
